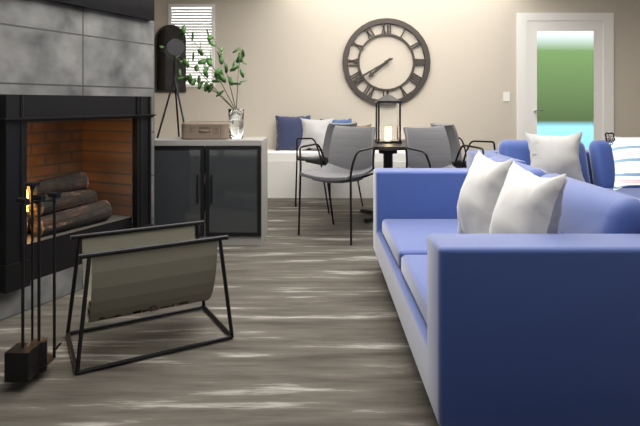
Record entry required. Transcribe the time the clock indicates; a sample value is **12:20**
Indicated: **7:40**
